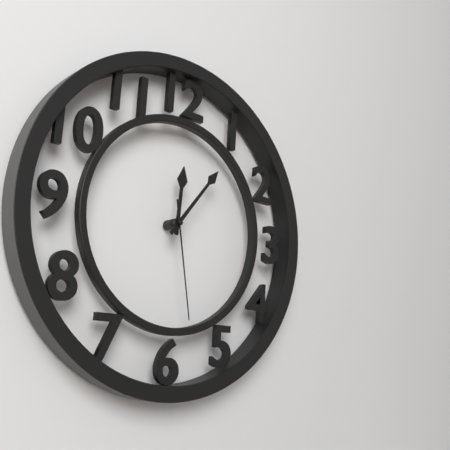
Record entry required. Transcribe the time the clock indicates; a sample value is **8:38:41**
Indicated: **12:06:28**
